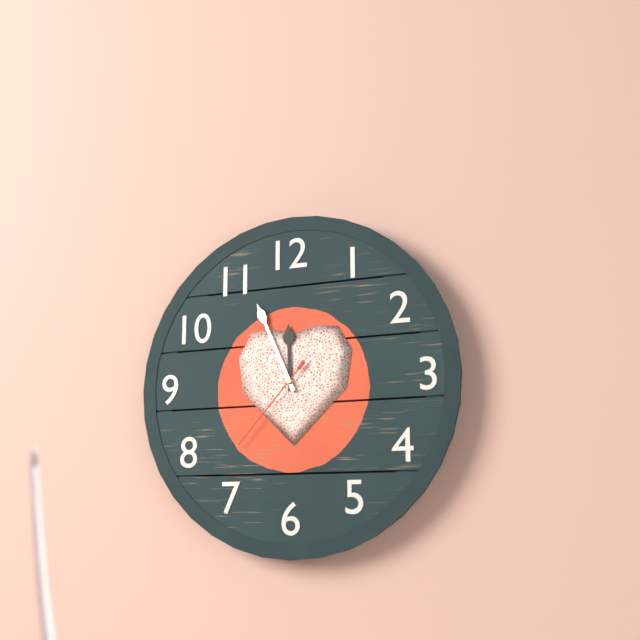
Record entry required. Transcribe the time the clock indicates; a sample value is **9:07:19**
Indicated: **11:56:37**
